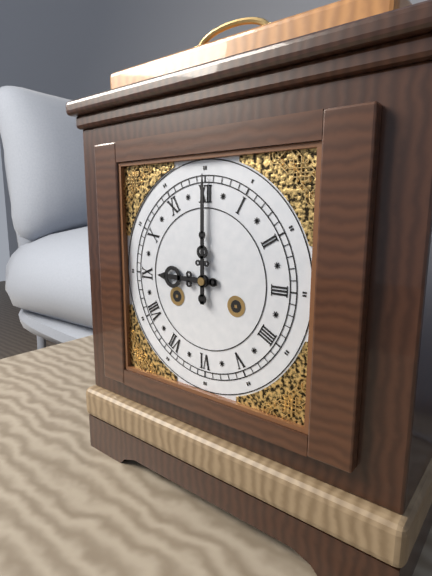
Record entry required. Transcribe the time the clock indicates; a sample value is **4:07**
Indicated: **9:00**
